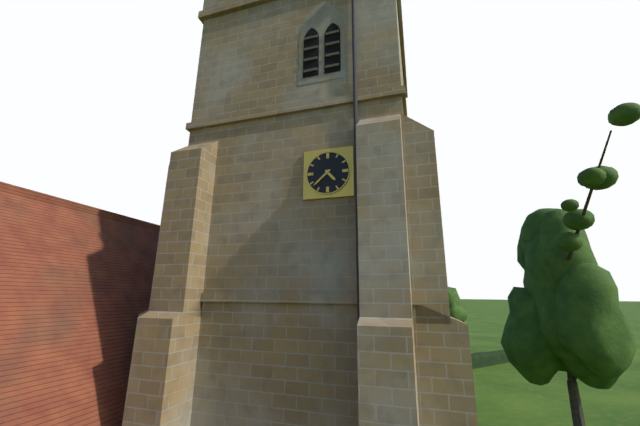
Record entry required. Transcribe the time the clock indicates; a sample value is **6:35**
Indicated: **4:38**
